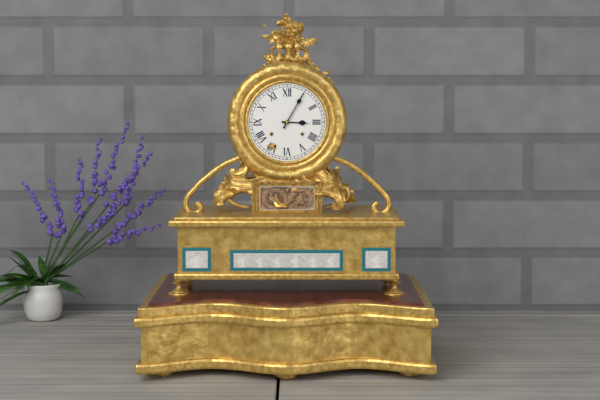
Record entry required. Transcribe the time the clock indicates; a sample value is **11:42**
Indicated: **3:05**
